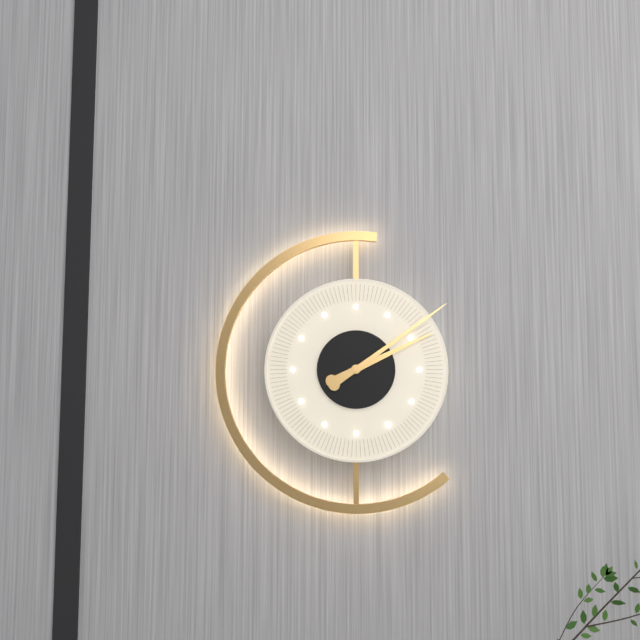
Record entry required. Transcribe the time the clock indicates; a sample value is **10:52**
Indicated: **2:09**
